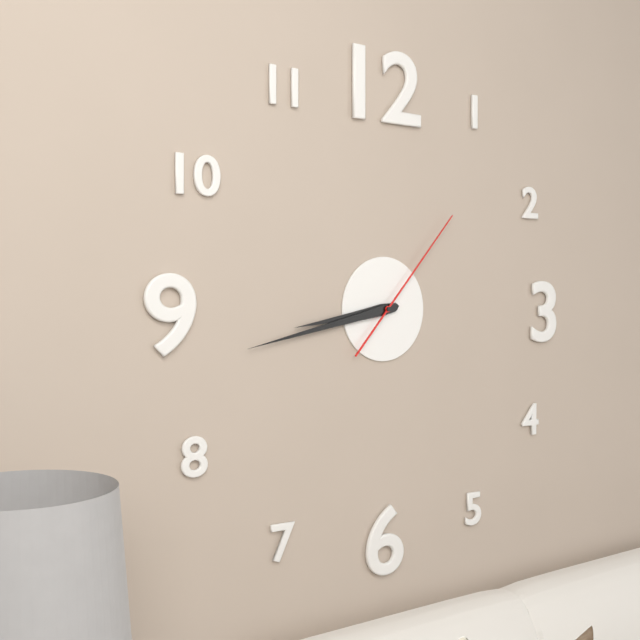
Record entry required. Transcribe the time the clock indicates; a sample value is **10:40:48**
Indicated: **8:43:07**
